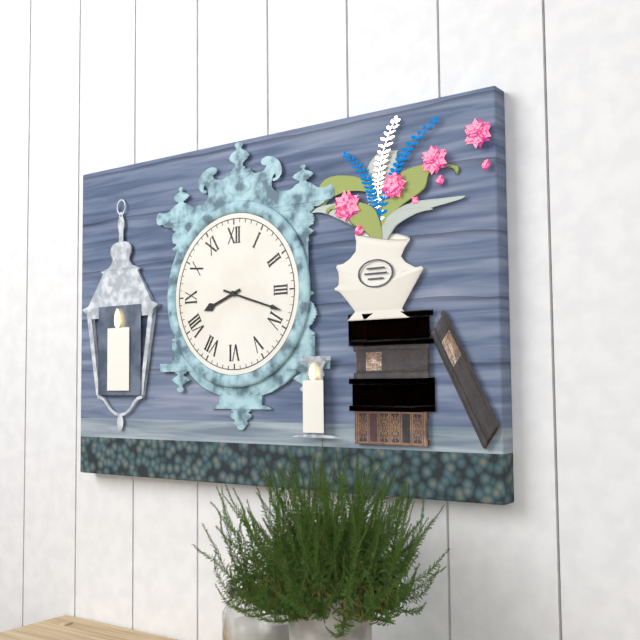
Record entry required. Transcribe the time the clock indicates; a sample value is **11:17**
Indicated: **8:18**
